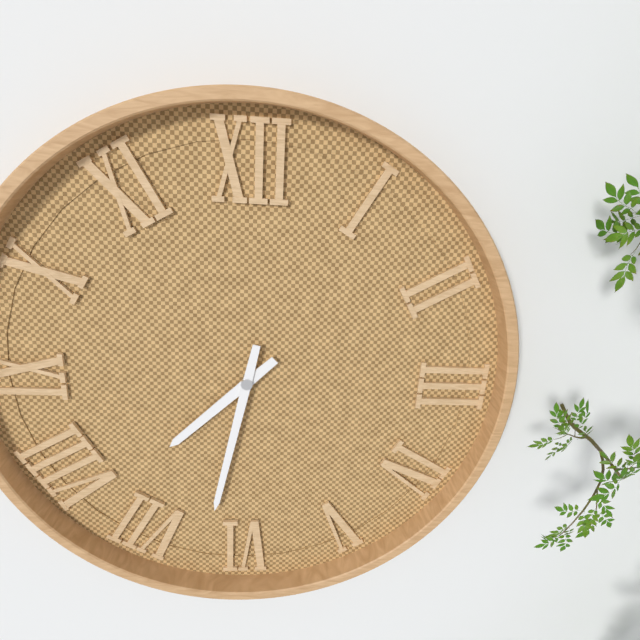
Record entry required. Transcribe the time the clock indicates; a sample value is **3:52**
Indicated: **7:32**
